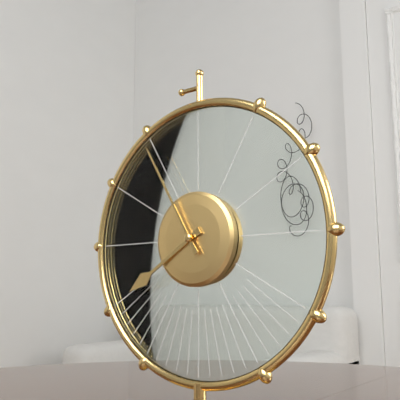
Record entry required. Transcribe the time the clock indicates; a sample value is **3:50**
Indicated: **7:55**
